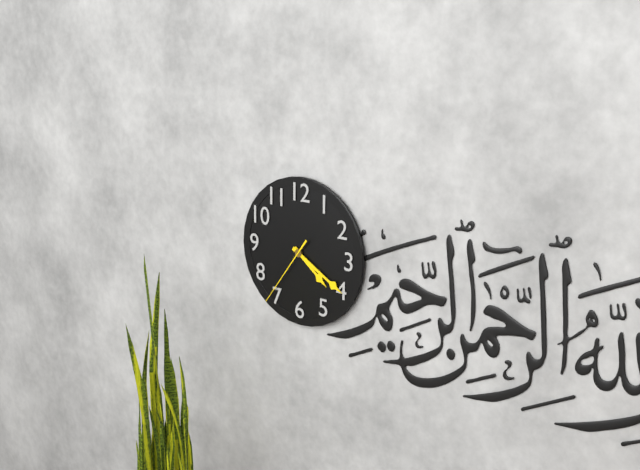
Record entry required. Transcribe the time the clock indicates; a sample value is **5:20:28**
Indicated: **4:20:36**
